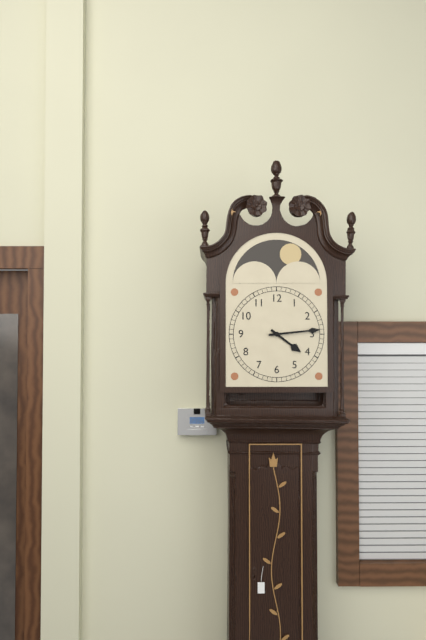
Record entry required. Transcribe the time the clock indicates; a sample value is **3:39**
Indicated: **4:14**
